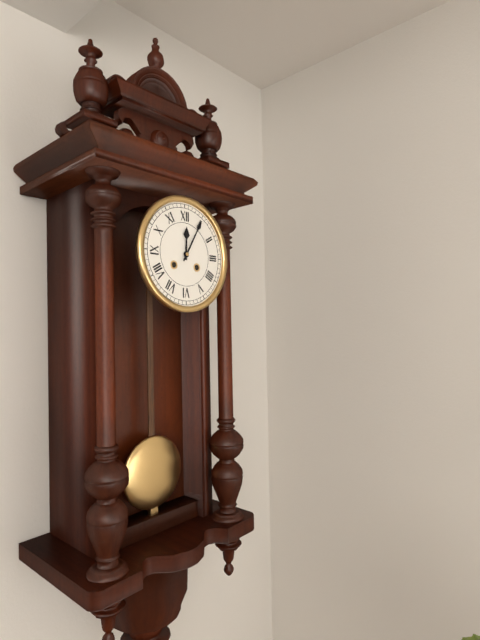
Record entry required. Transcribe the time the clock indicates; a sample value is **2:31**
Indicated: **12:05**
